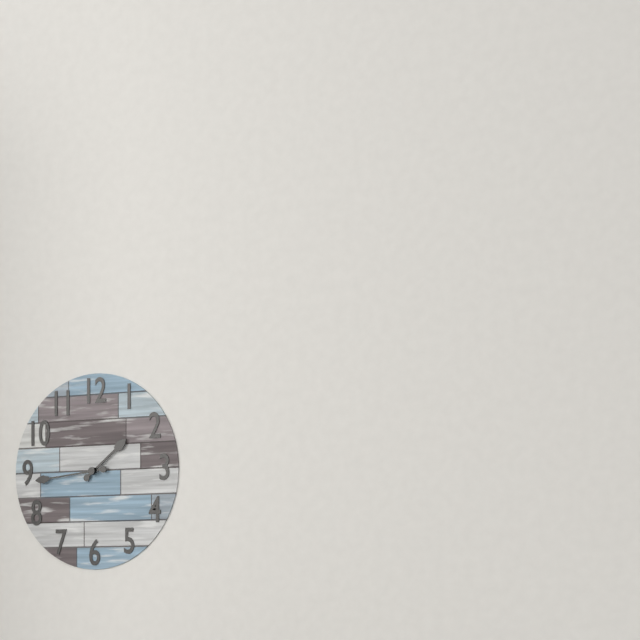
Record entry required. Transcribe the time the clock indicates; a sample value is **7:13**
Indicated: **1:44**
